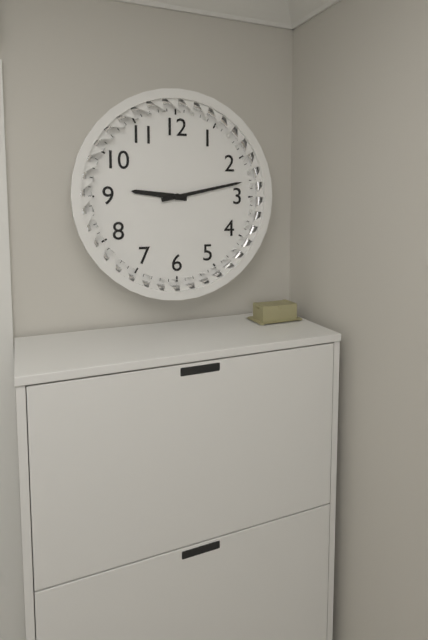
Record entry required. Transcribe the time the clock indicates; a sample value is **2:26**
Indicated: **9:13**
